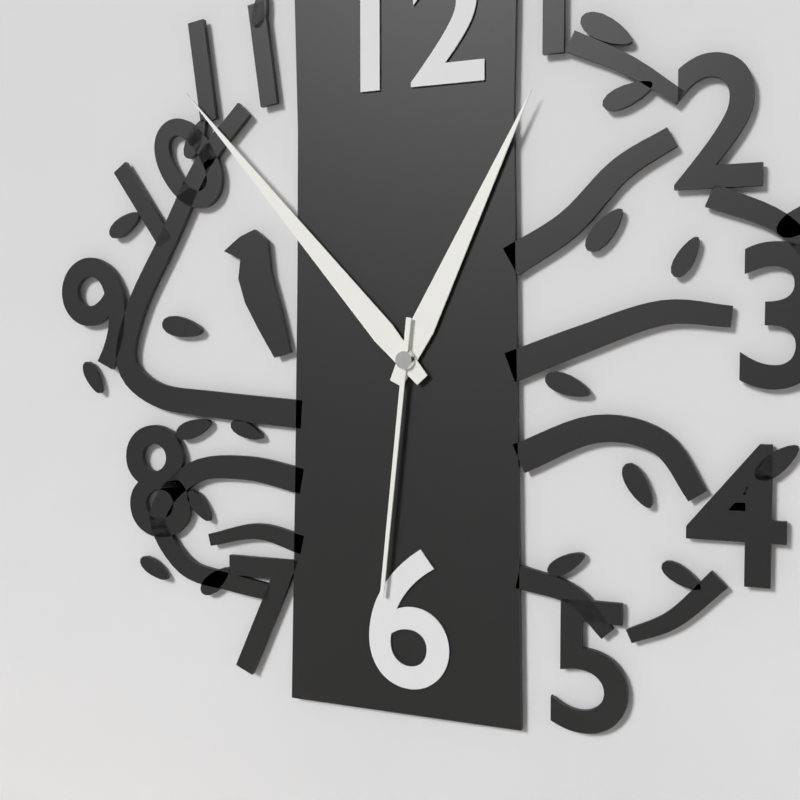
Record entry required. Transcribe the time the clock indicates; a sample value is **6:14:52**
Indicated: **12:53:31**
